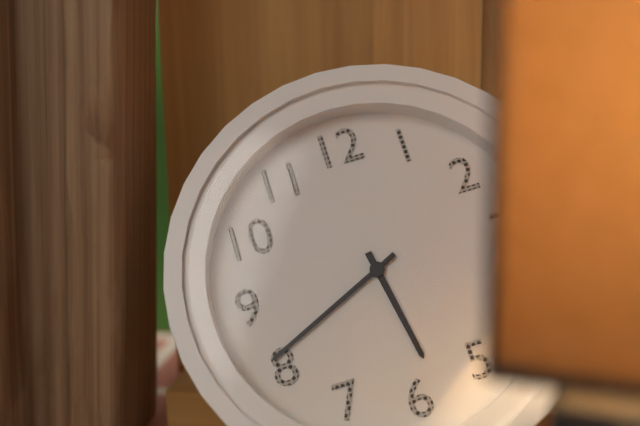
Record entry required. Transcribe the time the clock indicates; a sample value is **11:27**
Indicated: **5:41**
